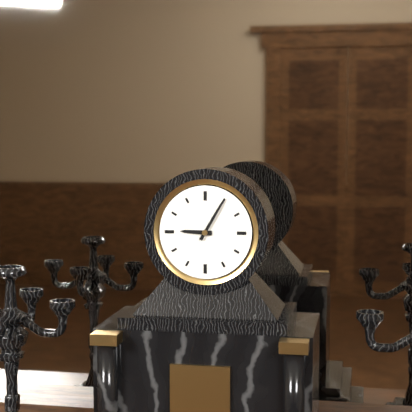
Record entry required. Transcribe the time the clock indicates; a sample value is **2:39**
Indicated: **9:05**
